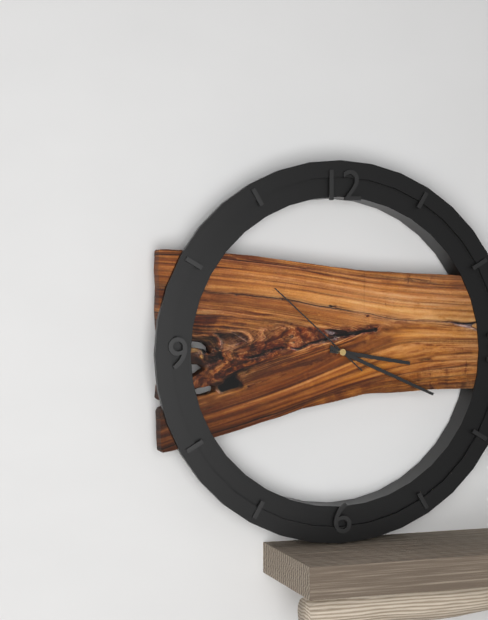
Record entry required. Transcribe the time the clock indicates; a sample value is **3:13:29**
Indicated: **3:19:52**
